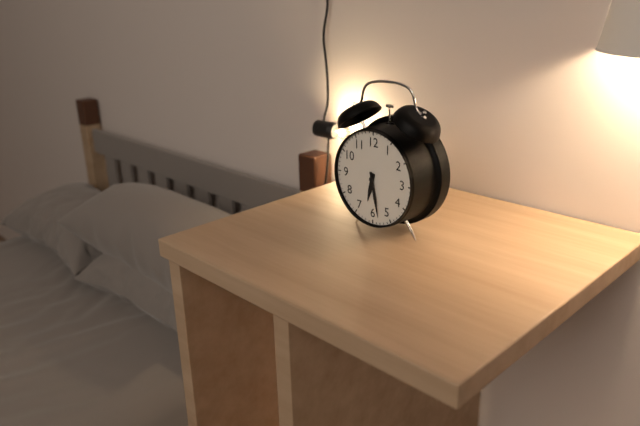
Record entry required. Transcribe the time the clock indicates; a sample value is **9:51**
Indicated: **6:28**
